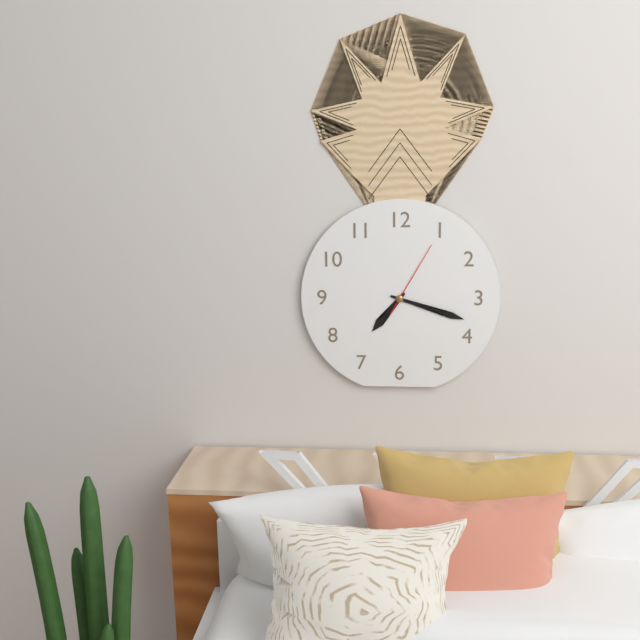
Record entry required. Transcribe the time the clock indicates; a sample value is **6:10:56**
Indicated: **7:18:05**
